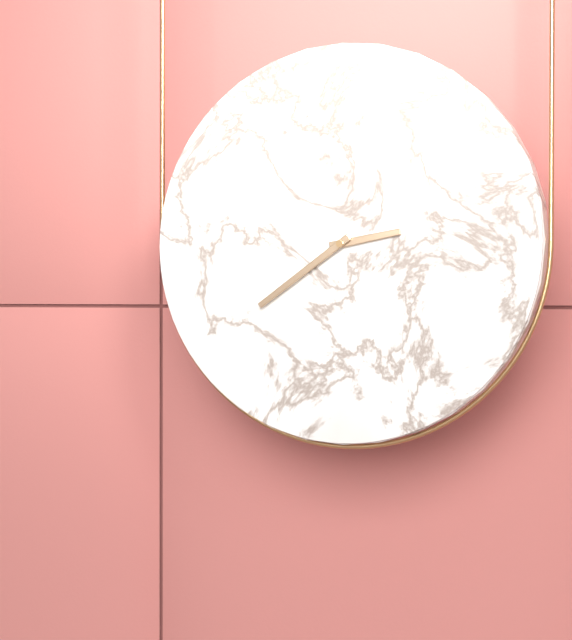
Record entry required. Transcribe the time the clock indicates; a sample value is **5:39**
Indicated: **2:39**
